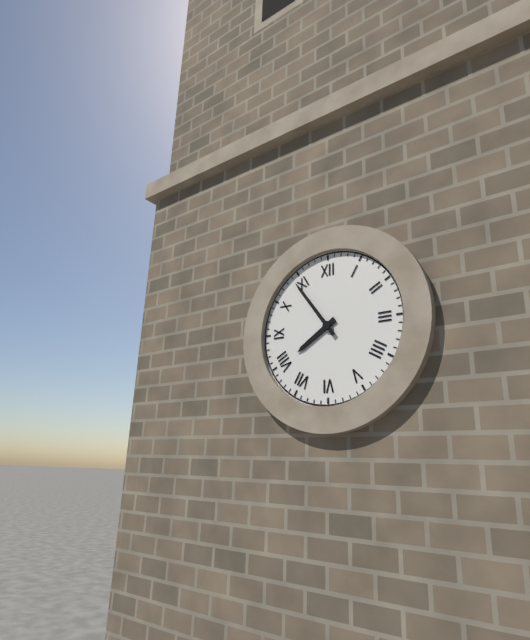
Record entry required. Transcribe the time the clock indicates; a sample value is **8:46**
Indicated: **7:54**
